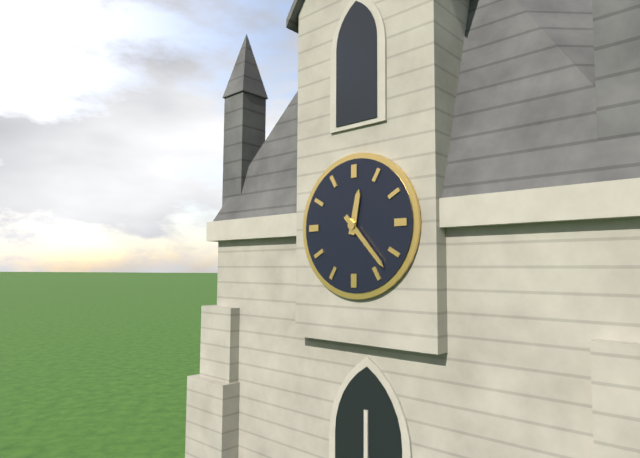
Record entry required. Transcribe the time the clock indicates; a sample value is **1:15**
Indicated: **12:23**
